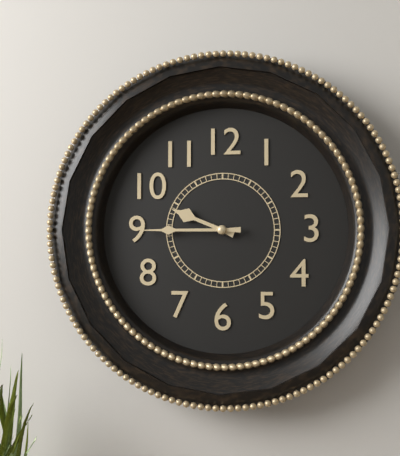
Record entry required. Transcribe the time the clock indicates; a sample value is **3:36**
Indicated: **9:45**
